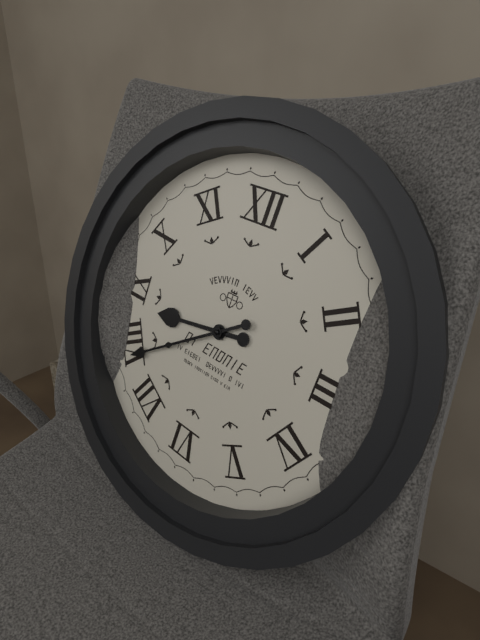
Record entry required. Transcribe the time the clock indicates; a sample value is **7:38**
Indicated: **8:39**
